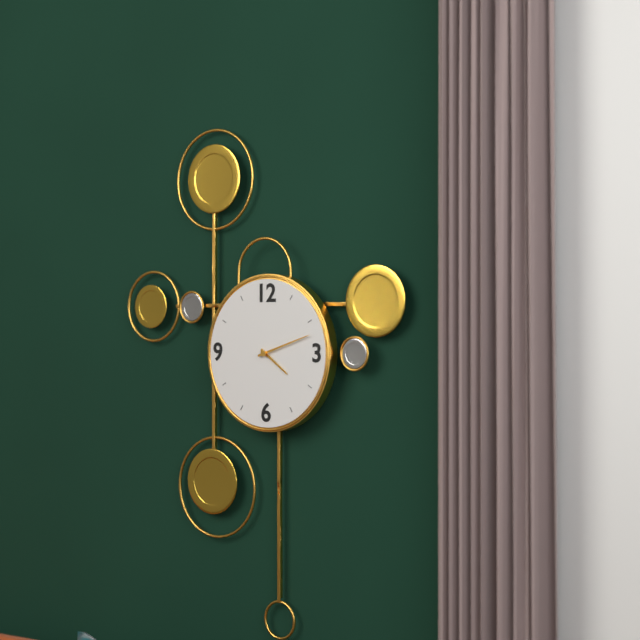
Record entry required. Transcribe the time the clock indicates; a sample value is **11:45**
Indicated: **4:12**
